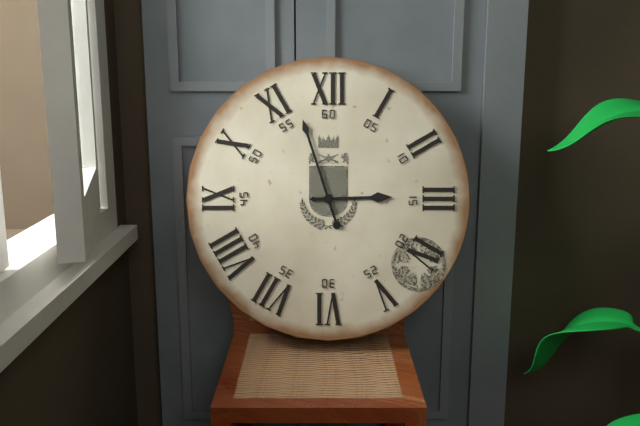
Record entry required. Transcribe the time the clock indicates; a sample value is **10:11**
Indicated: **2:57**
